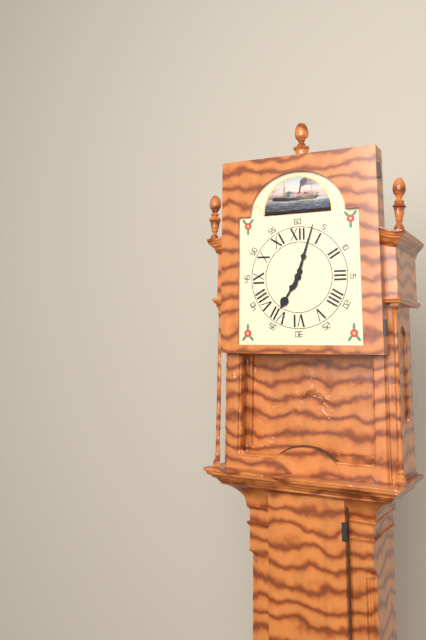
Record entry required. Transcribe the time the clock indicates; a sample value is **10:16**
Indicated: **7:03**
